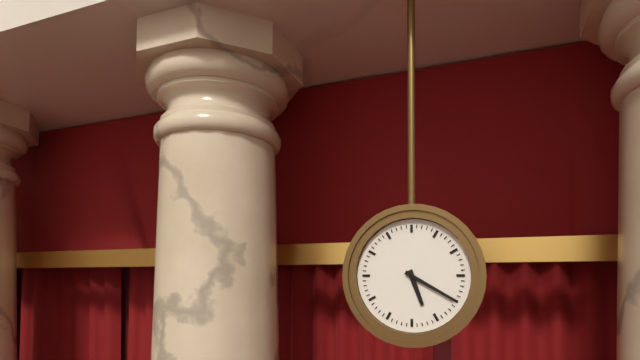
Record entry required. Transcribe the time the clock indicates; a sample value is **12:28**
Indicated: **5:20**
